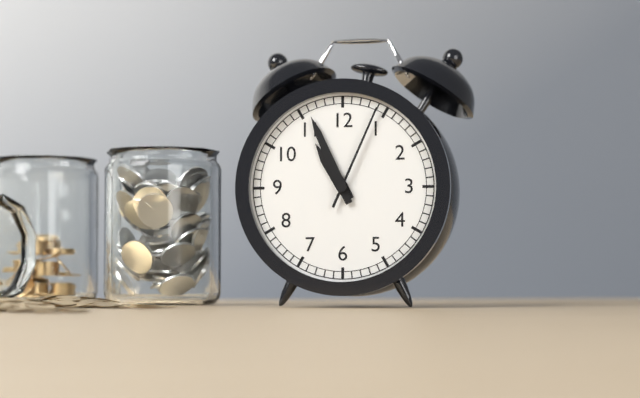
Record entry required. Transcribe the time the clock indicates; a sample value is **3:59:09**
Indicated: **10:56:04**
